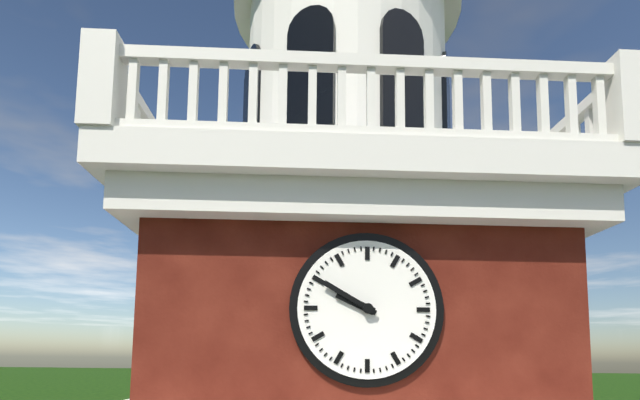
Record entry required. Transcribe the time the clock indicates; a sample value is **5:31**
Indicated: **9:50**
